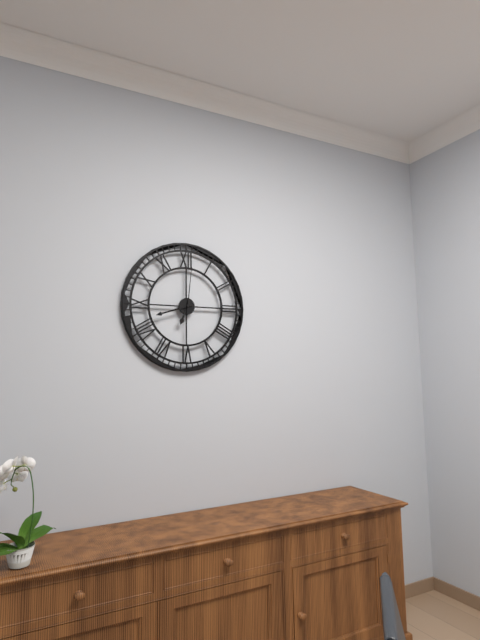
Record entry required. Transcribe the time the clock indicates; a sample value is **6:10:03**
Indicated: **6:42:01**
